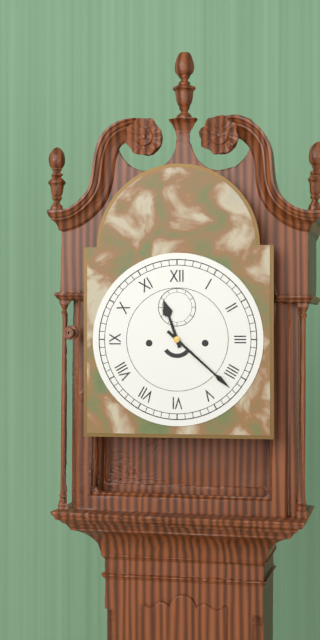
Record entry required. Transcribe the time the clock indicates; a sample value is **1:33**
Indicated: **11:22**
